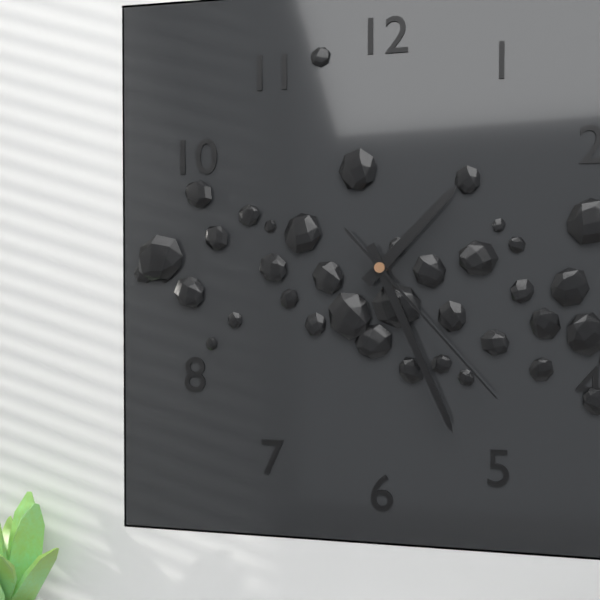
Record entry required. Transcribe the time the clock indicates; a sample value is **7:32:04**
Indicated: **1:26:23**
